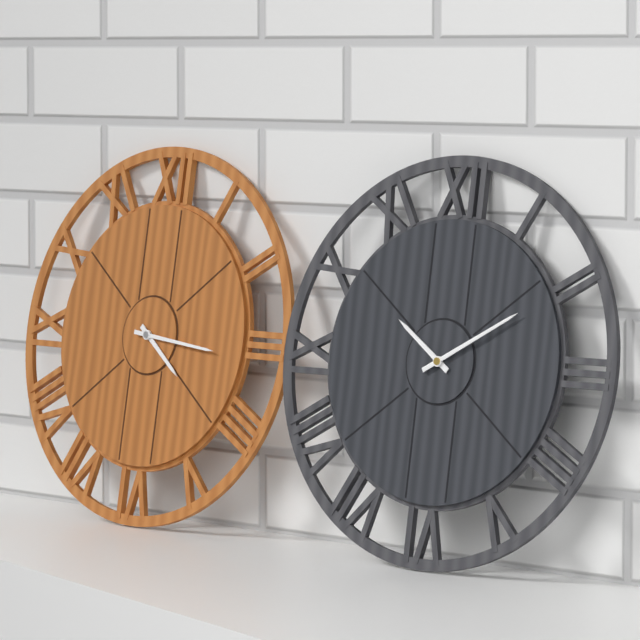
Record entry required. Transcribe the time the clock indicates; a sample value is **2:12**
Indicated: **4:16**
